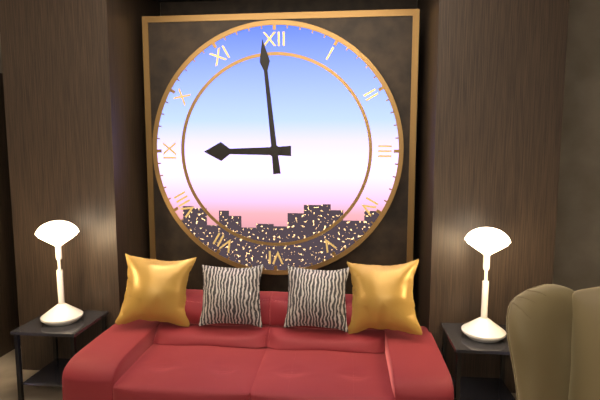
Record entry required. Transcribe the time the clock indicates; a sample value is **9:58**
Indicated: **8:59**
